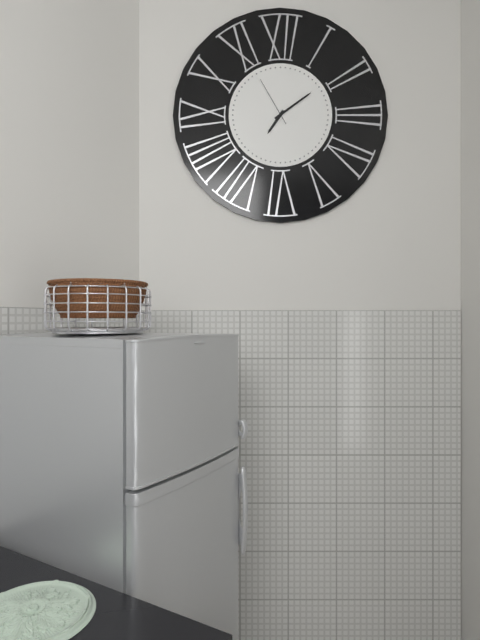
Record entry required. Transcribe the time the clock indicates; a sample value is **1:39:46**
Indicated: **7:09:55**
